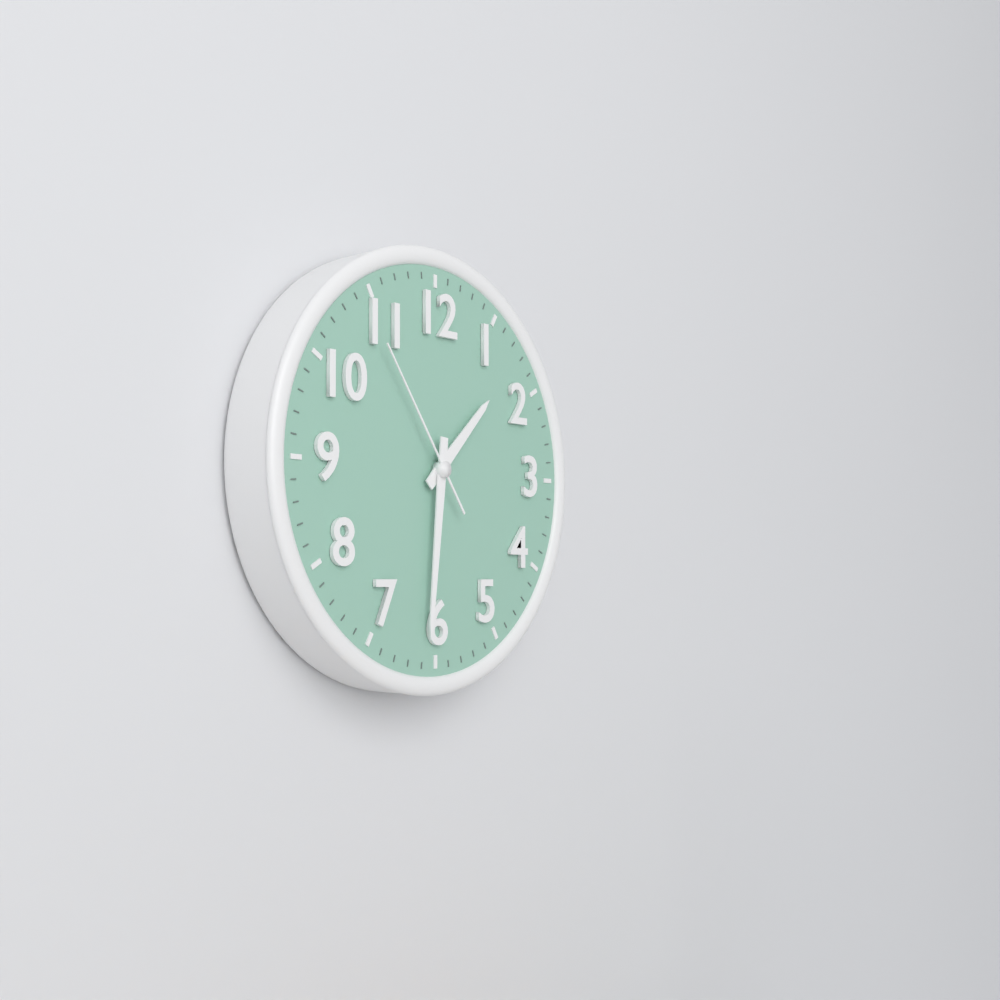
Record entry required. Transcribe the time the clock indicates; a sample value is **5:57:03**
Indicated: **1:31:54**
